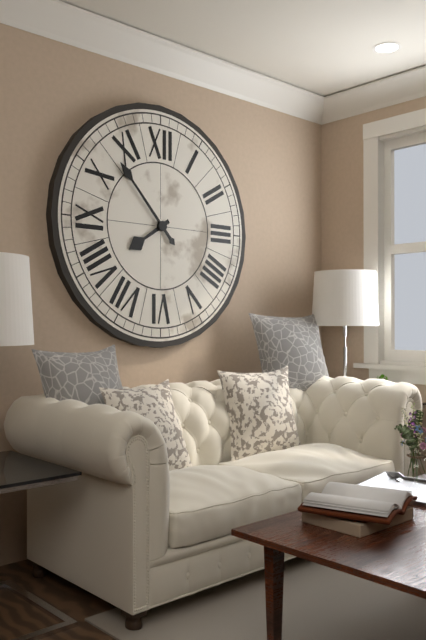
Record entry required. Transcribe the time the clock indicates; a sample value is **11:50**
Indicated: **7:53**
